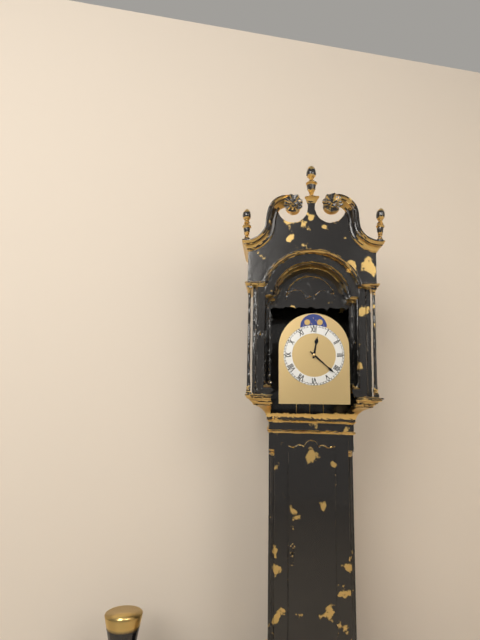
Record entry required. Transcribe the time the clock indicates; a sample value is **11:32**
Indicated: **12:22**
